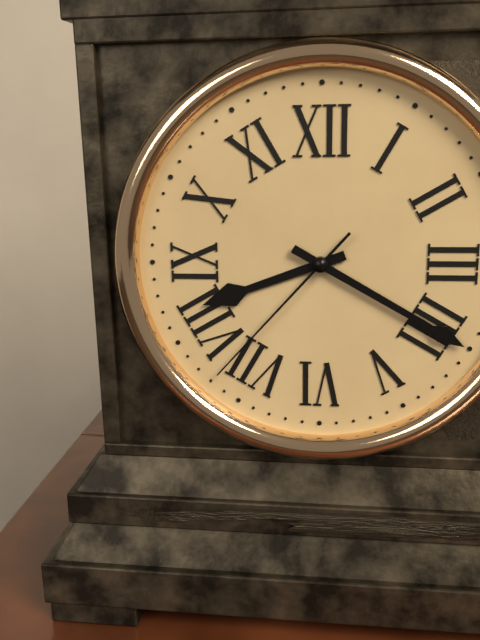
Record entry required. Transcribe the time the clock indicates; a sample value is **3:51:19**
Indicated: **8:20:37**
